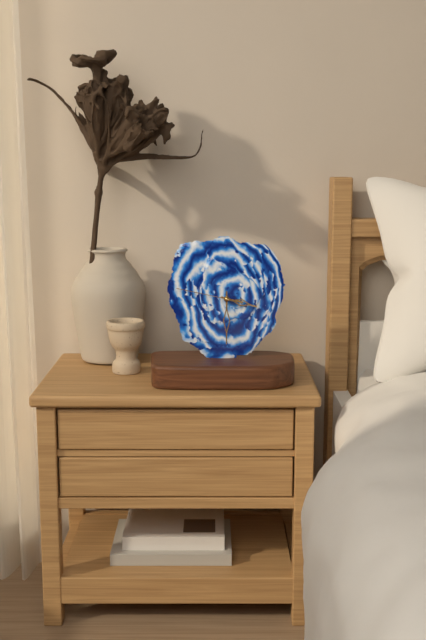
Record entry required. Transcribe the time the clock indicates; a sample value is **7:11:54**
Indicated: **3:30:47**
